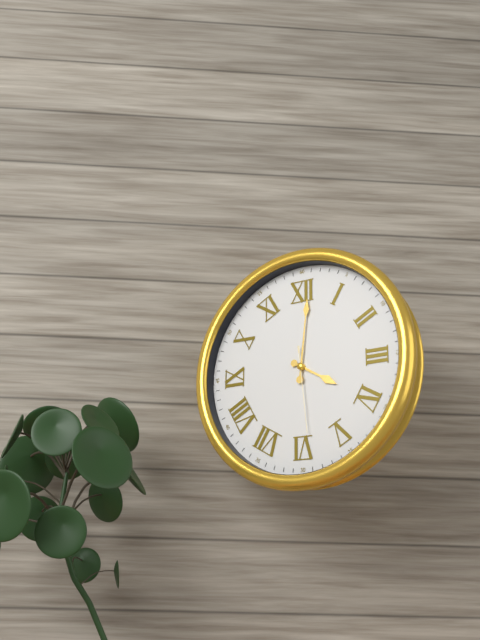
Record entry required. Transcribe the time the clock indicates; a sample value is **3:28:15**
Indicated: **4:01:29**
